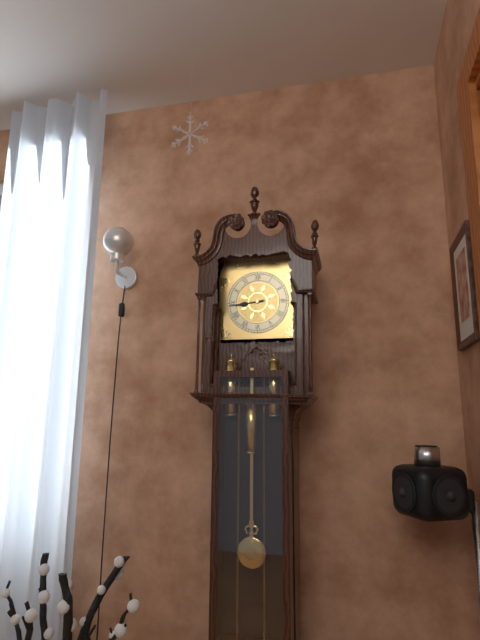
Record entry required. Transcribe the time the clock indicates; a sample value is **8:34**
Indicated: **8:44**
